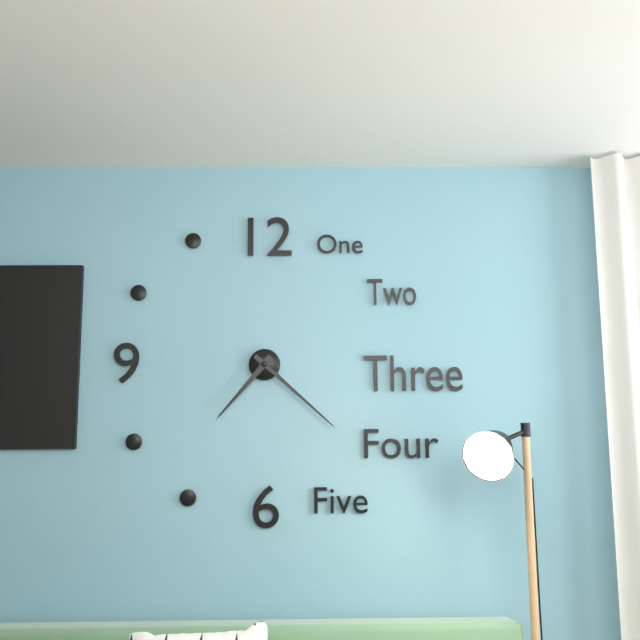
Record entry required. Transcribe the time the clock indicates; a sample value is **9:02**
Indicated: **7:22**
